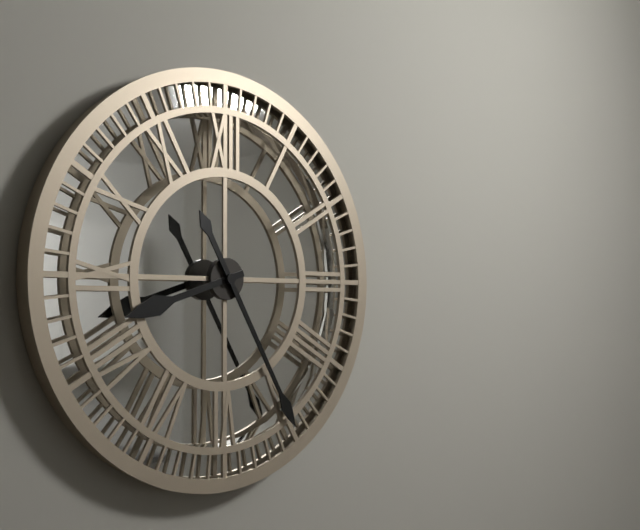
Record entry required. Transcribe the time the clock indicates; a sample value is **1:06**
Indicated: **8:25**
